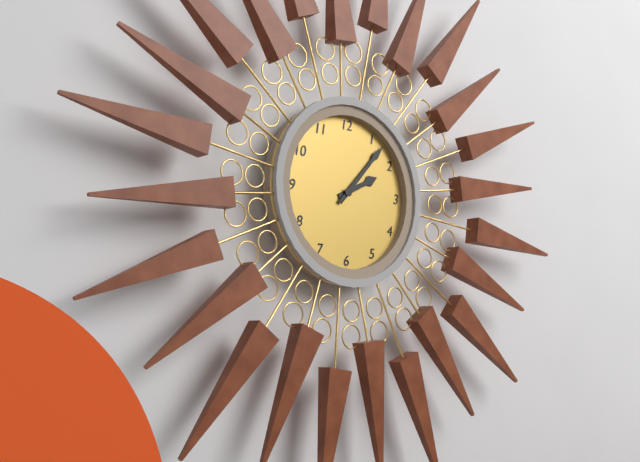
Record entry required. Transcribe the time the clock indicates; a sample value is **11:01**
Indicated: **2:07**
